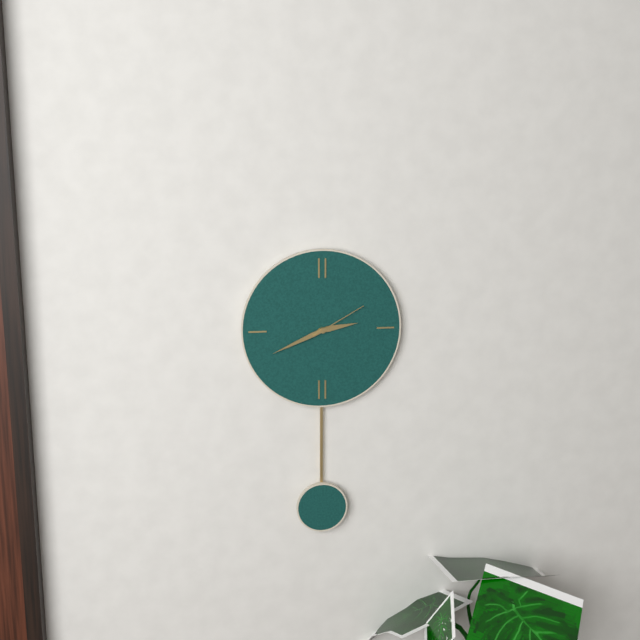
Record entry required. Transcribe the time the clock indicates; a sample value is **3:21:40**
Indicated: **2:41:10**
